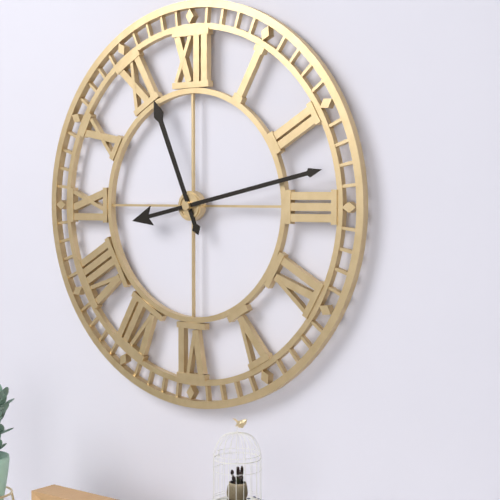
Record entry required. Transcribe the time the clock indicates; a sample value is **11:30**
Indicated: **11:13**
